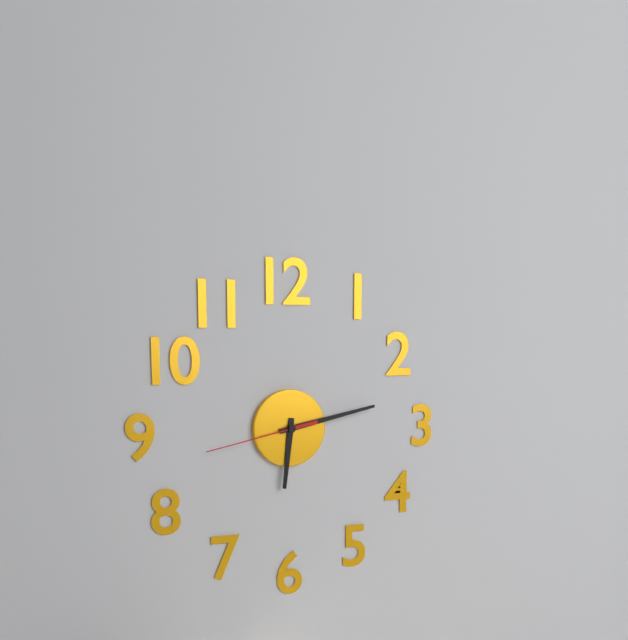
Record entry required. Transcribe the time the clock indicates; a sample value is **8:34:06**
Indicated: **6:13:43**
